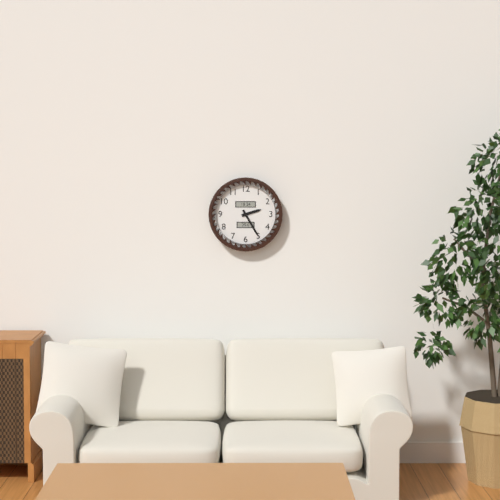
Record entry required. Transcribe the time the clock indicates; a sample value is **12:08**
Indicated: **2:25**
